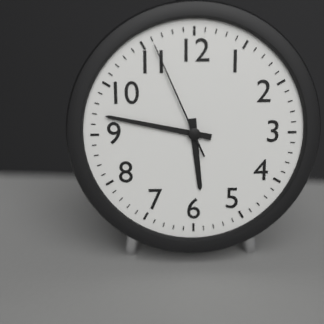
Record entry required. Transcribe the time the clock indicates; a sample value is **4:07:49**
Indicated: **5:47:56**
